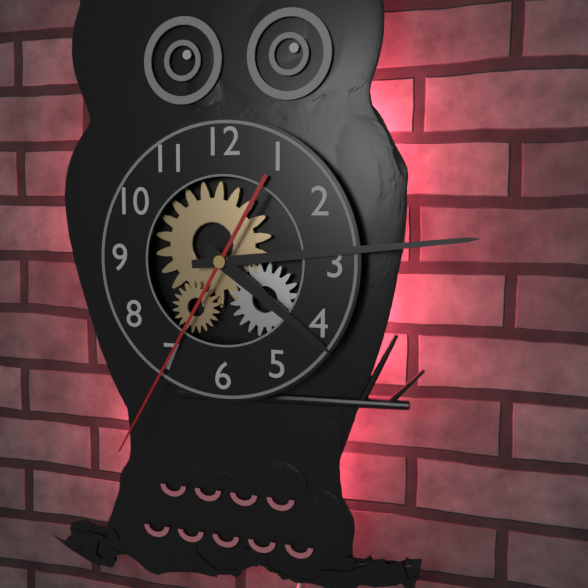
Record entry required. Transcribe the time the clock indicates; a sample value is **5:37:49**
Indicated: **4:14:35**
